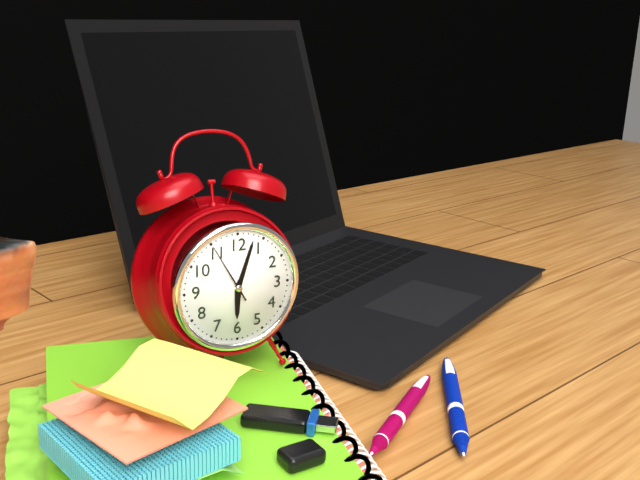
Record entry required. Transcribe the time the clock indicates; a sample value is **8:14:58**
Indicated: **6:03:55**
